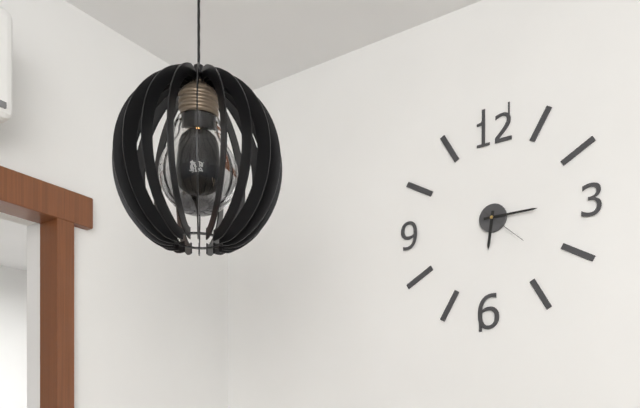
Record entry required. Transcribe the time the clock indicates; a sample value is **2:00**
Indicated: **6:15**
